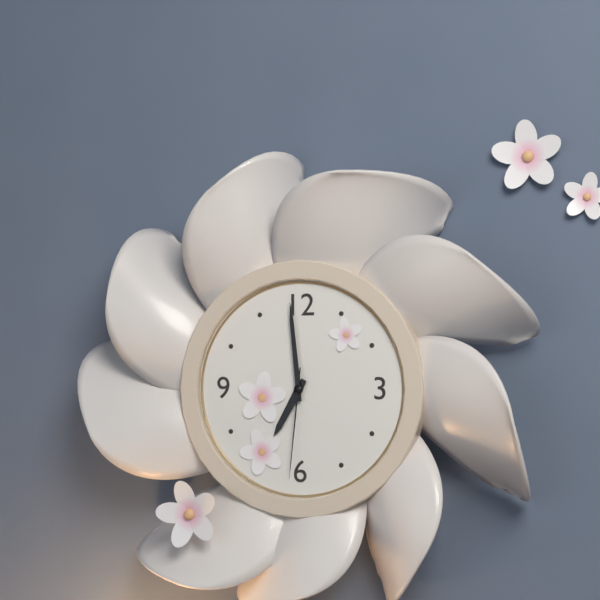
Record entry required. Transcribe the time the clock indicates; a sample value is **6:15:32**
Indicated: **6:59:31**
